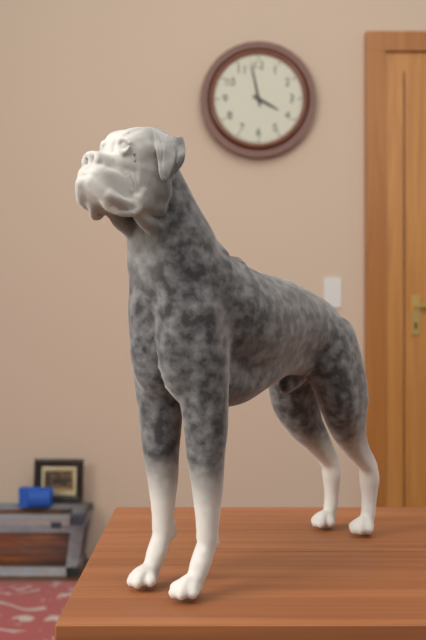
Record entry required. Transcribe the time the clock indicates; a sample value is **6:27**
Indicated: **3:58**
